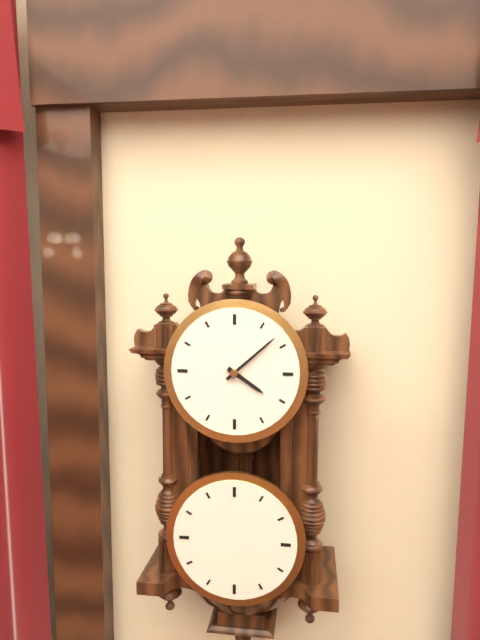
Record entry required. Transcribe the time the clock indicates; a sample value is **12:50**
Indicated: **4:08**
